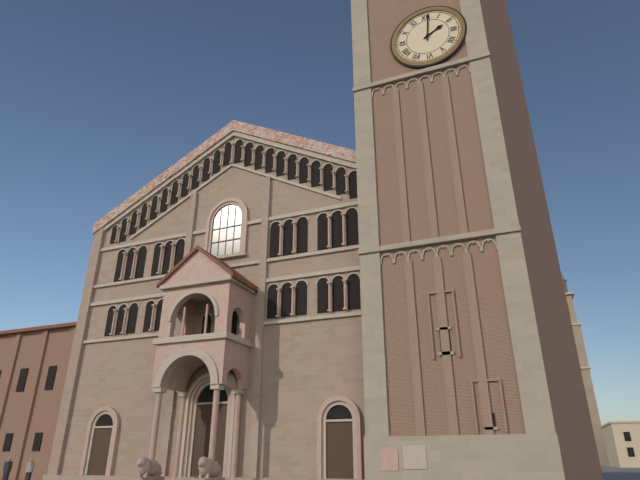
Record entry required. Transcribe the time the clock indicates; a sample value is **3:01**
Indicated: **2:01**
